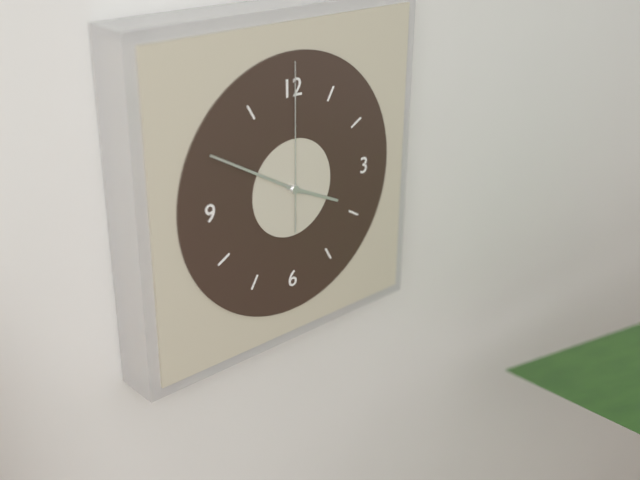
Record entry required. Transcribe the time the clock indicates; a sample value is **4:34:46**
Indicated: **3:50:00**
